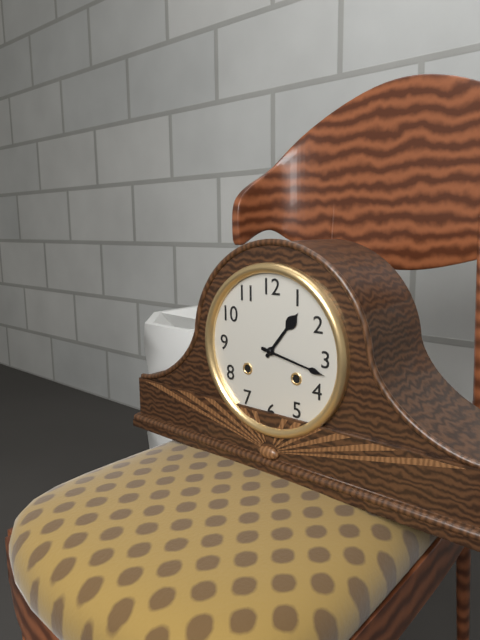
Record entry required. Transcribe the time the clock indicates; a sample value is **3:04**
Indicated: **1:17**
